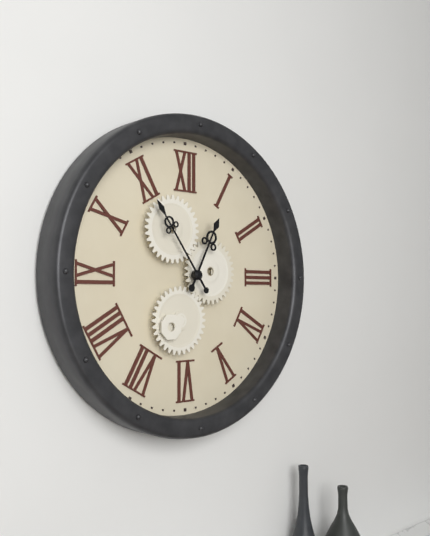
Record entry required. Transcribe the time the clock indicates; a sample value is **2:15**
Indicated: **12:54**
